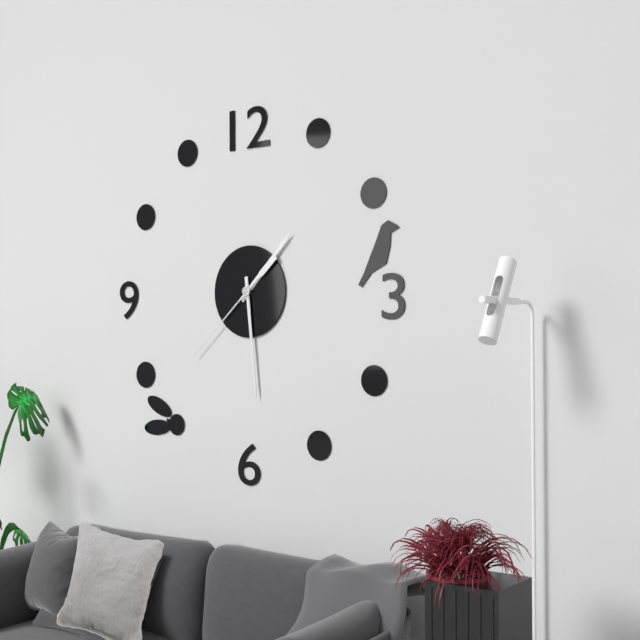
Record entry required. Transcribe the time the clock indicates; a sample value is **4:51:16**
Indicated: **1:29:38**
